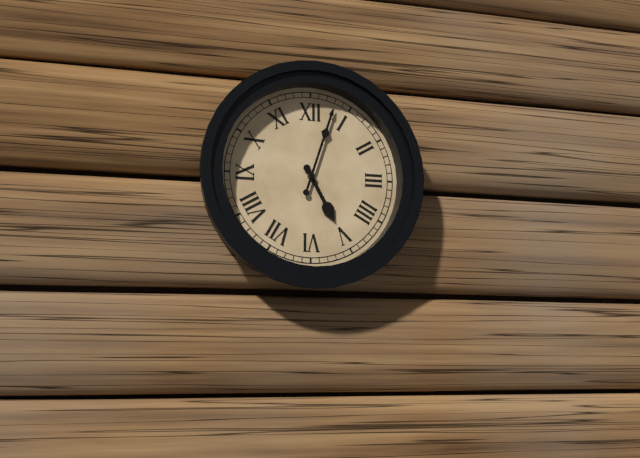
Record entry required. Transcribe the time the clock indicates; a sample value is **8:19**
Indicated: **5:03**
